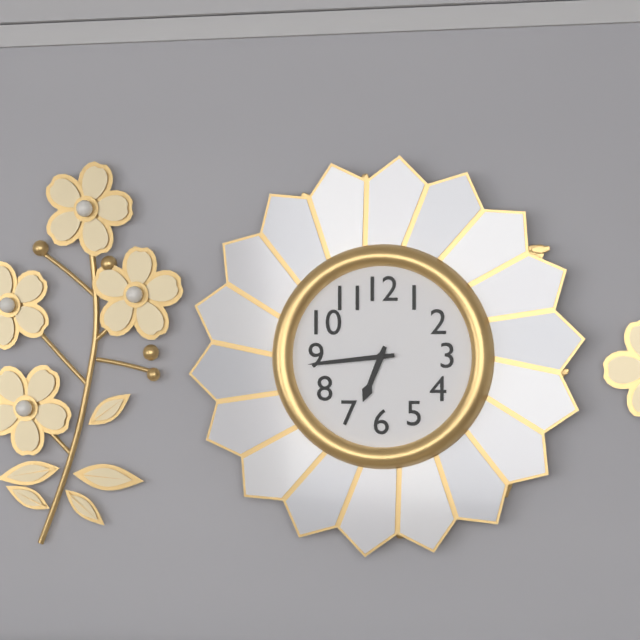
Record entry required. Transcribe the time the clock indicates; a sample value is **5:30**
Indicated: **6:44**
